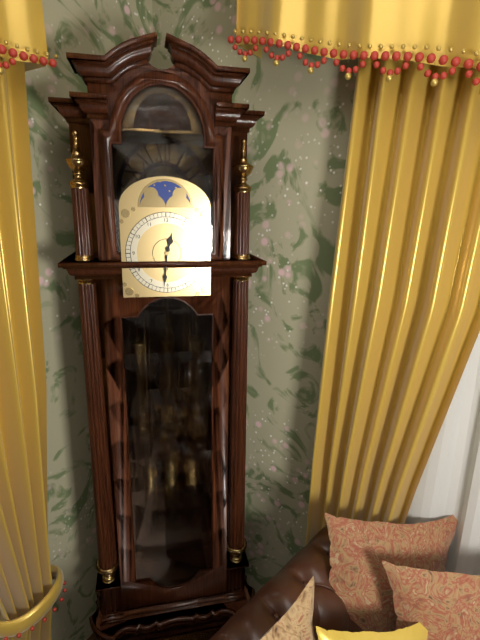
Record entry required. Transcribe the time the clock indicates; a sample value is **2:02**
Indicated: **12:31**
